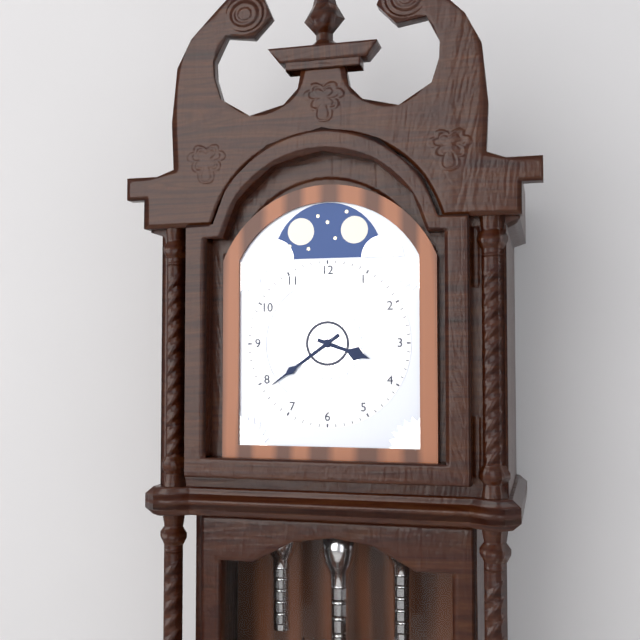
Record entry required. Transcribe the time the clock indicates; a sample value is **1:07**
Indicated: **3:39**
